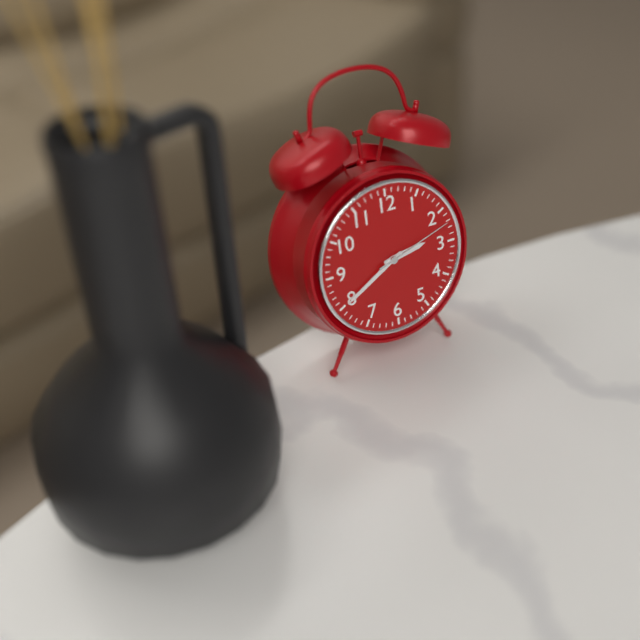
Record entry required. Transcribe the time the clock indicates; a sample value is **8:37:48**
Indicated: **2:40:12**
